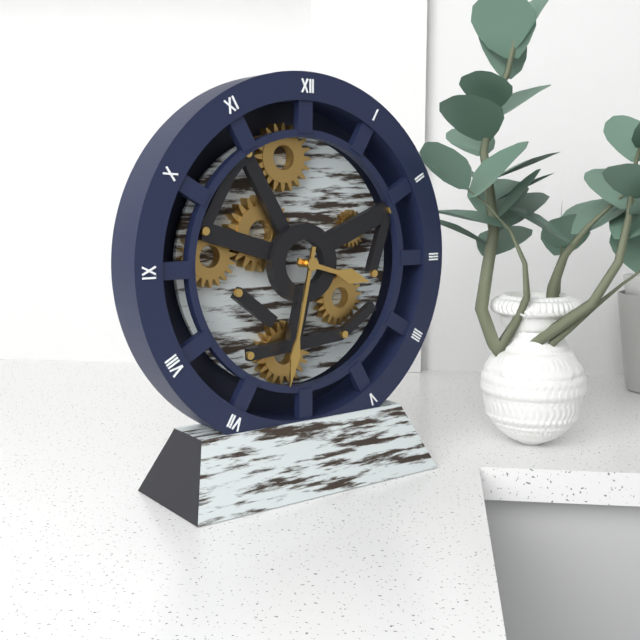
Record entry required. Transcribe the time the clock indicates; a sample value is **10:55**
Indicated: **3:32**
